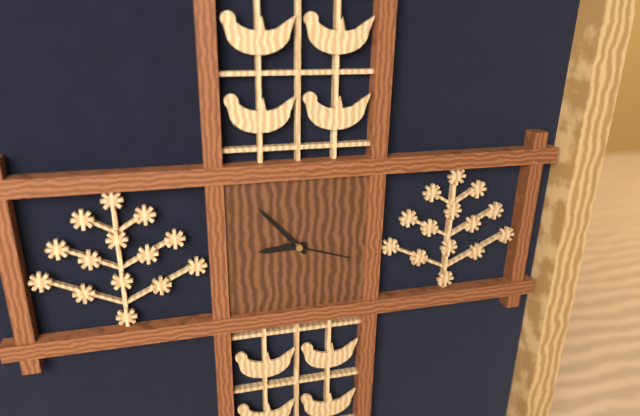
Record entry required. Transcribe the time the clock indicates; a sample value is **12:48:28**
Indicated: **8:53:18**
